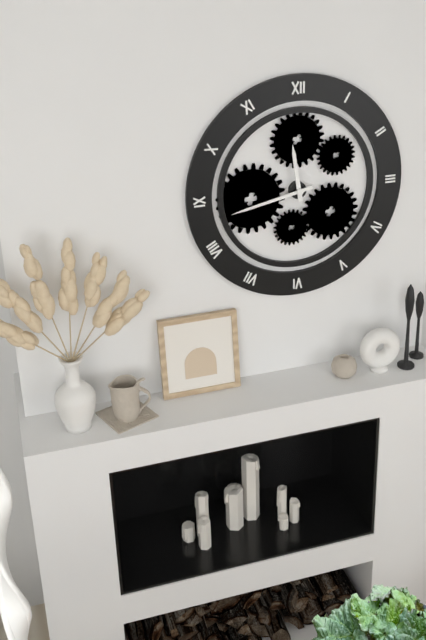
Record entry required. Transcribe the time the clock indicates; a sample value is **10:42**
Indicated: **11:43**
